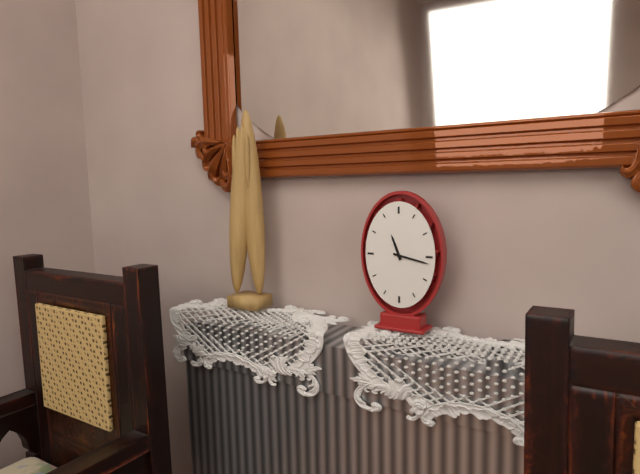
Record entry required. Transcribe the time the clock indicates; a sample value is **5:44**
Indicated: **11:17**
